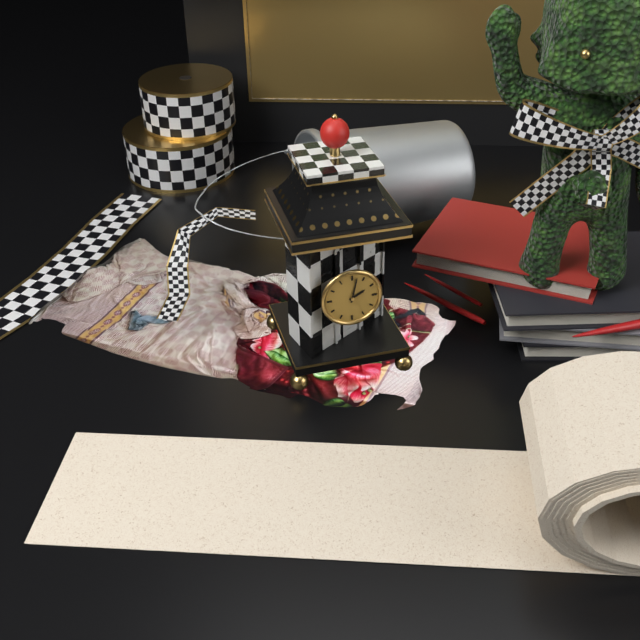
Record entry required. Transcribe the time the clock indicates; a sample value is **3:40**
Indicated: **2:02**
